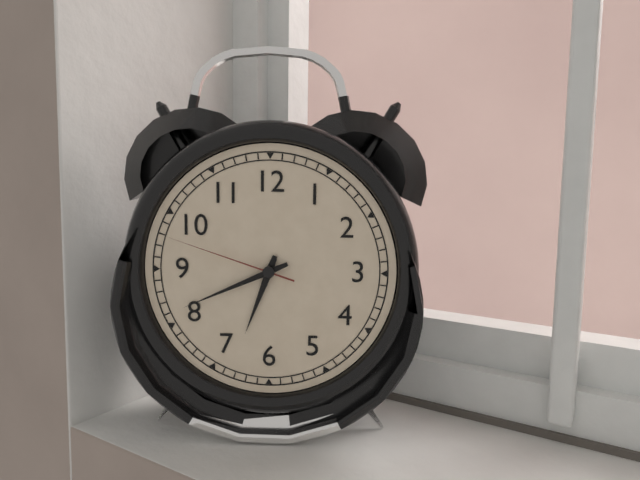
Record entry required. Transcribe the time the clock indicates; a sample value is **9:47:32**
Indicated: **6:41:48**
